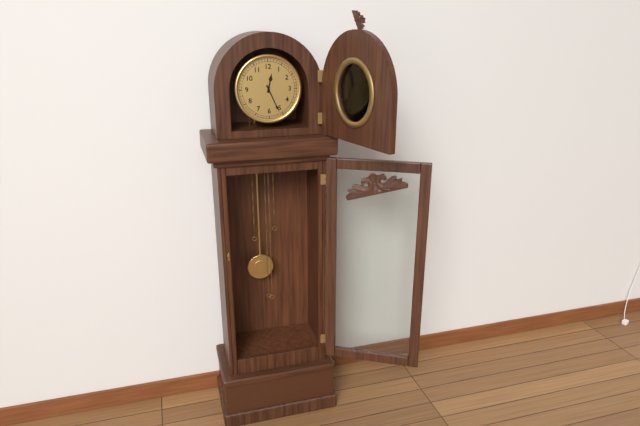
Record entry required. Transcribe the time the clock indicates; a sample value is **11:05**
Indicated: **12:26**
